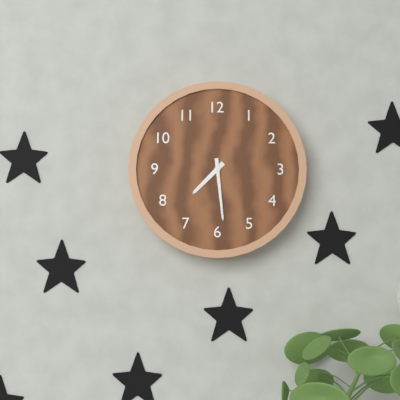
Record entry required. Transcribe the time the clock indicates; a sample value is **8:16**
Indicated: **7:29**
